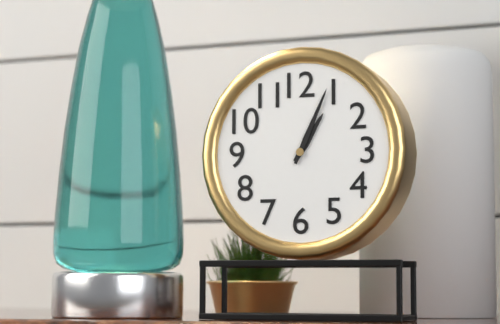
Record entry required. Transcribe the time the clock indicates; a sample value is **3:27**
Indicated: **1:04**
